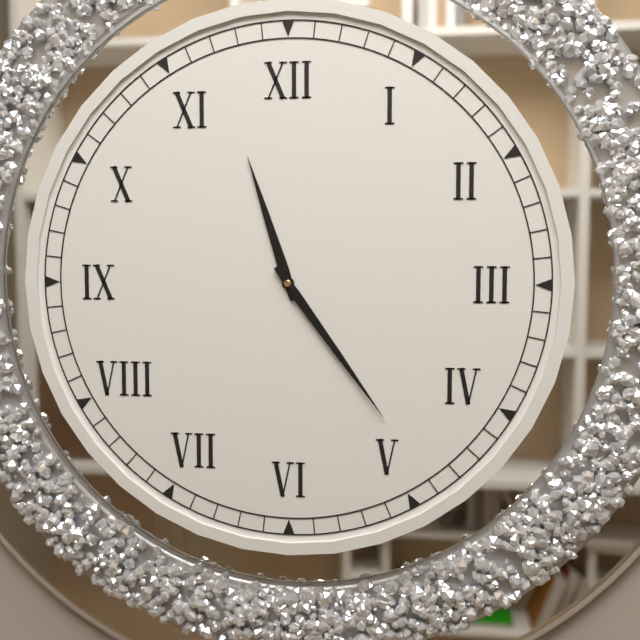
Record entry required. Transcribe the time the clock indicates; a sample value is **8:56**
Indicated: **11:24**
